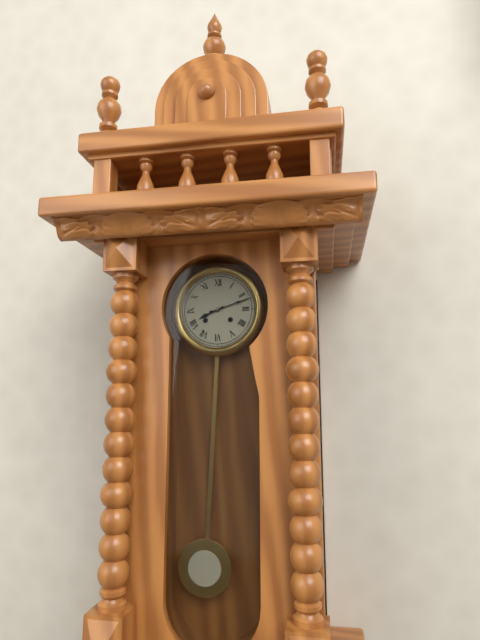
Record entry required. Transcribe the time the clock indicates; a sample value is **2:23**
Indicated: **8:12**
